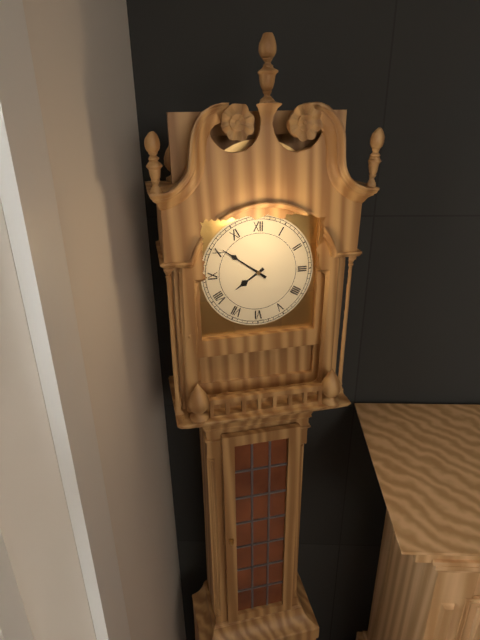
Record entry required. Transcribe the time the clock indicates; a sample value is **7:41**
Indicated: **7:51**
